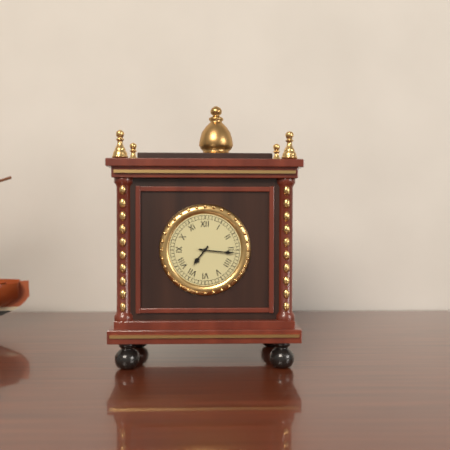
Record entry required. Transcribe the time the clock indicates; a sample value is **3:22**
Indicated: **7:16**
